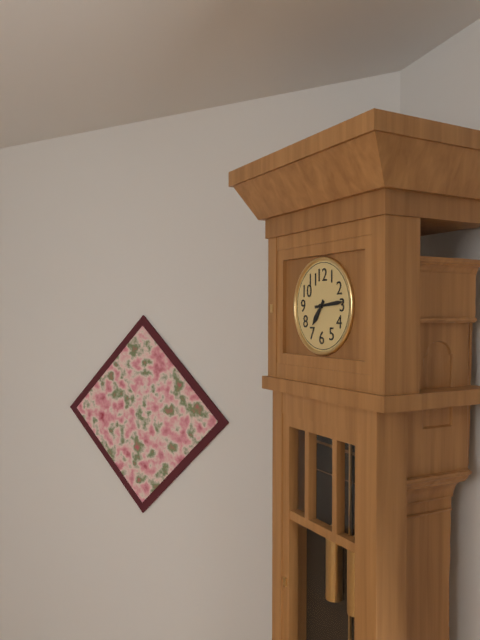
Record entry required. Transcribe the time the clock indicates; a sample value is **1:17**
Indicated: **7:14**
